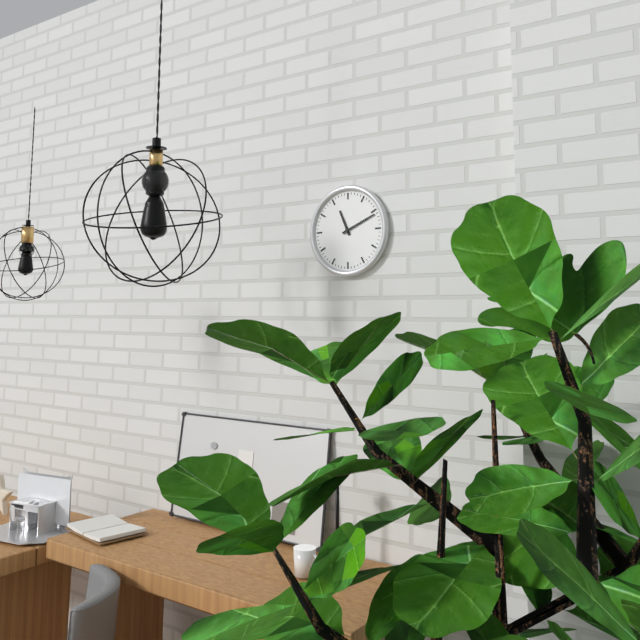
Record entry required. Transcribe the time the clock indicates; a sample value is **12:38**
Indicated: **11:11**
